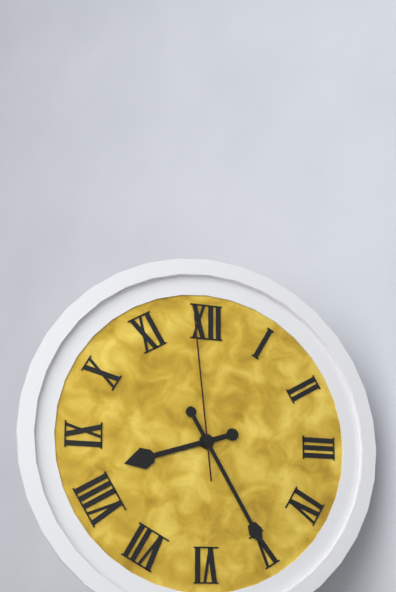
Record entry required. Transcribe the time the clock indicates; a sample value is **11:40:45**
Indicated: **8:25:59**
